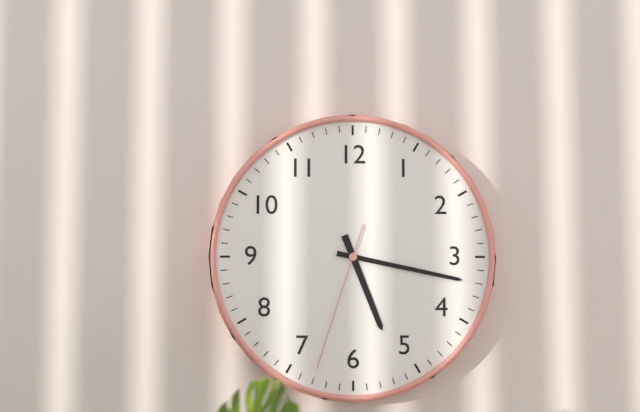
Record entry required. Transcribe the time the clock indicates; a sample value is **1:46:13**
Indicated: **5:17:33**
